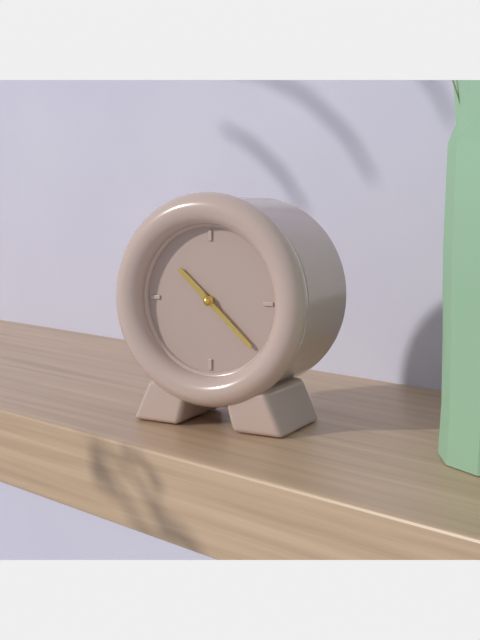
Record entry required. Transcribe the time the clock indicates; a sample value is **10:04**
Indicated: **10:22**
